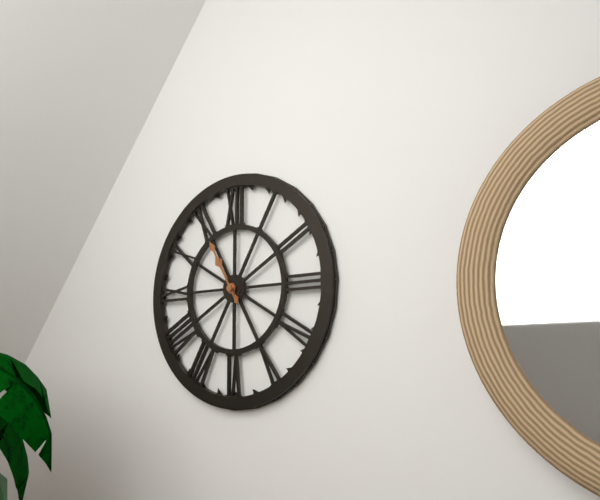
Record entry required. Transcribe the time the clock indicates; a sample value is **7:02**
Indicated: **10:55**
